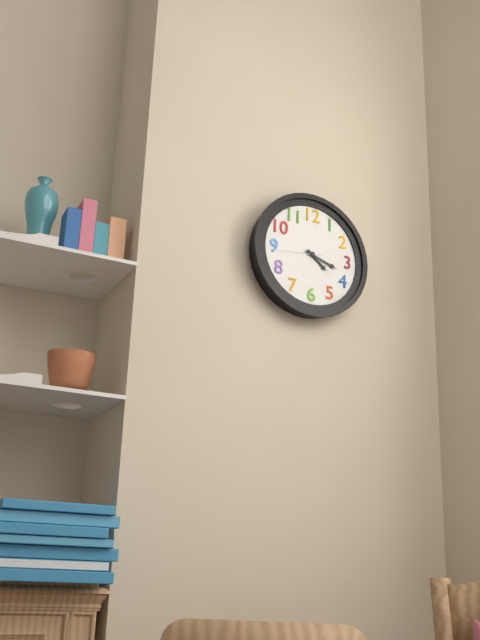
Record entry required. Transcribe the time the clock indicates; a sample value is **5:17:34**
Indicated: **4:18:44**
